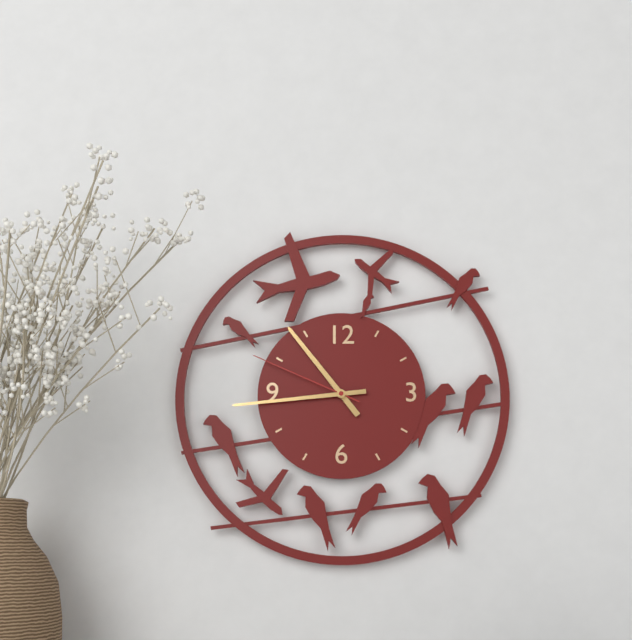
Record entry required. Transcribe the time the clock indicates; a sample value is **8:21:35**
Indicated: **10:44:49**
